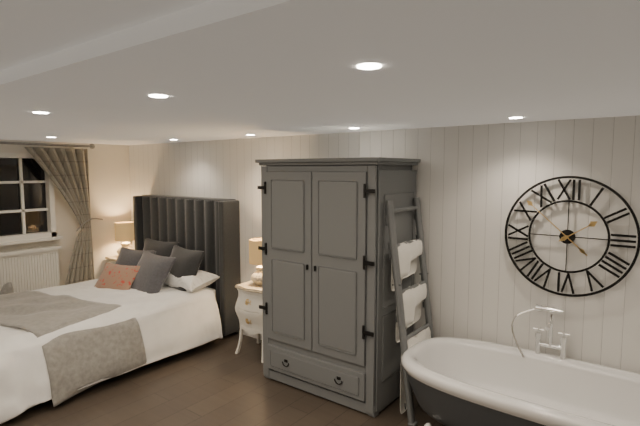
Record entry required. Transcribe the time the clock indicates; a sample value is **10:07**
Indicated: **1:52**
